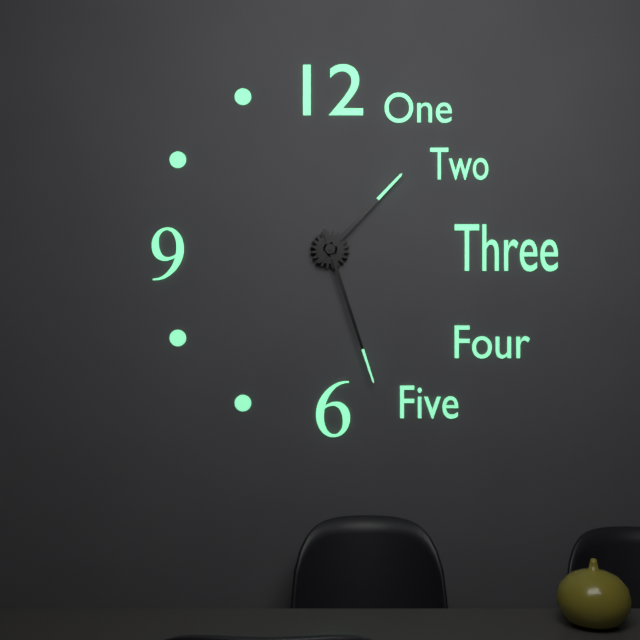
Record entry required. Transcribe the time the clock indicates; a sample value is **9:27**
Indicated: **1:27**
